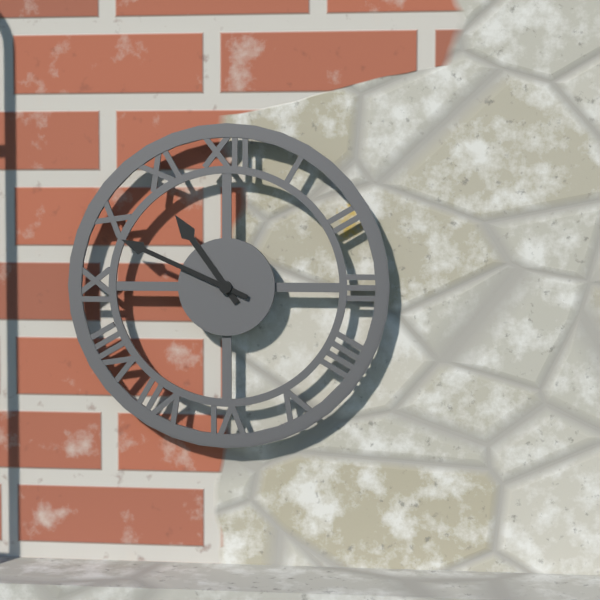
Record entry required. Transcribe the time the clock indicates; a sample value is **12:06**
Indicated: **10:49**
